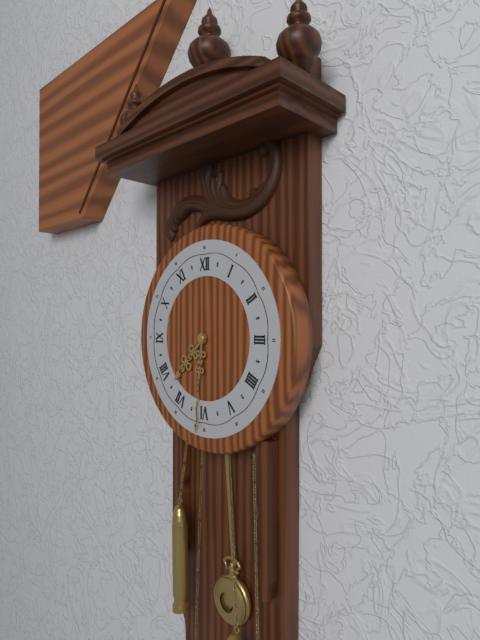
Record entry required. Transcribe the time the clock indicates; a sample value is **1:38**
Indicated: **7:31**
